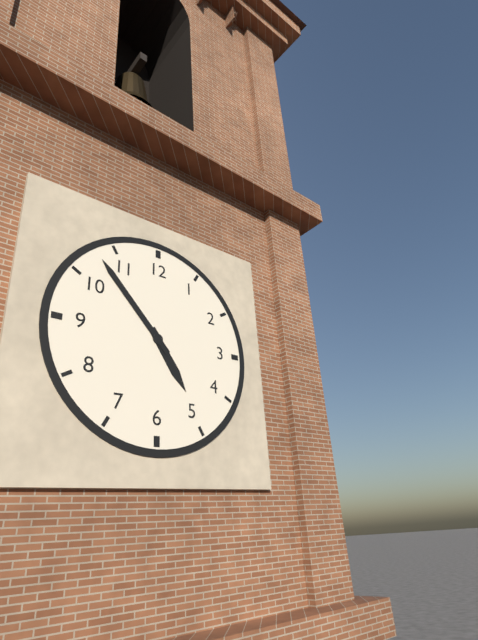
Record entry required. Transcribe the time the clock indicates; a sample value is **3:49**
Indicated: **4:53**
